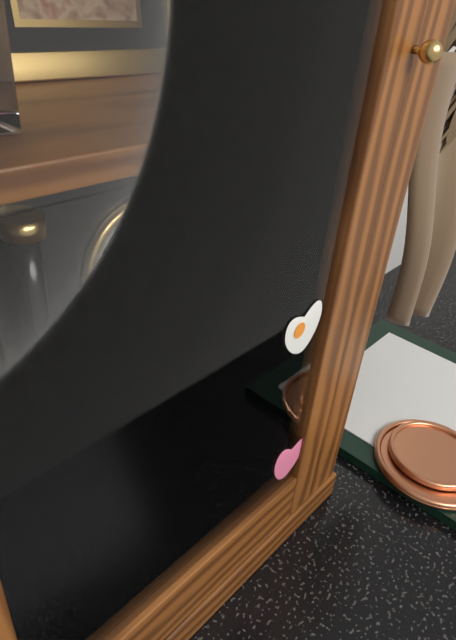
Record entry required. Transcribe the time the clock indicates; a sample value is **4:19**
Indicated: **3:19**
